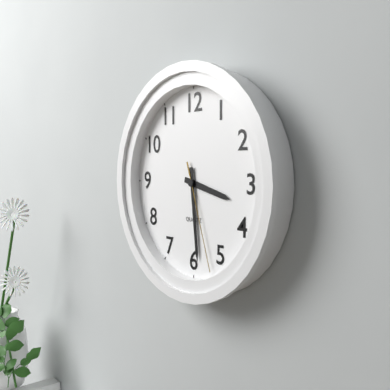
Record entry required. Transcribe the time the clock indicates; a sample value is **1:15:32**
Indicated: **3:29:27**
